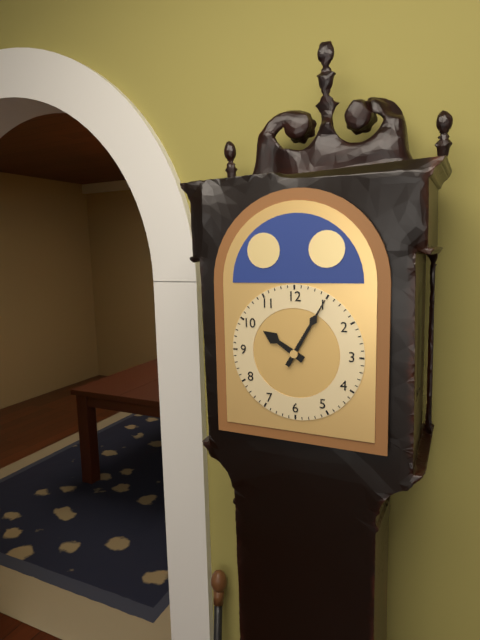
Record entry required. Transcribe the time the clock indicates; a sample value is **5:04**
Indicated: **10:05**
